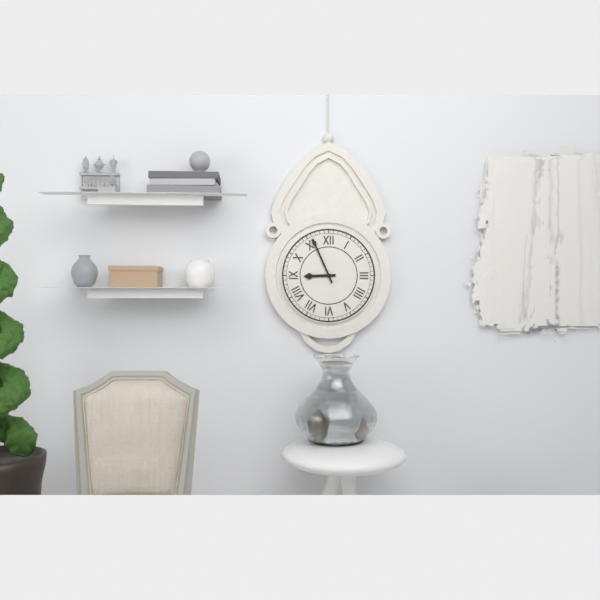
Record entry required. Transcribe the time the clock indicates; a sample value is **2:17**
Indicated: **8:56**
